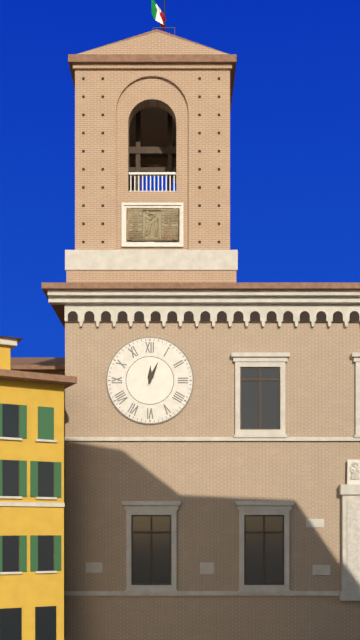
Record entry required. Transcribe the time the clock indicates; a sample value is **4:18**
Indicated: **12:04**
